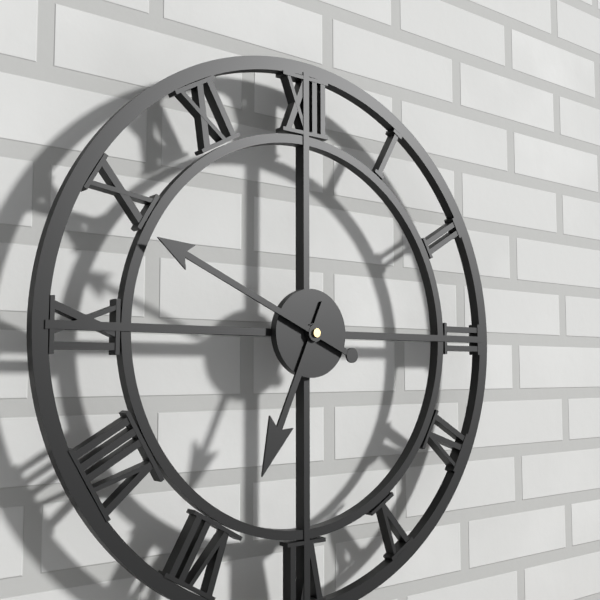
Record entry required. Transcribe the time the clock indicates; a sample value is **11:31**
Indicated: **6:49**
